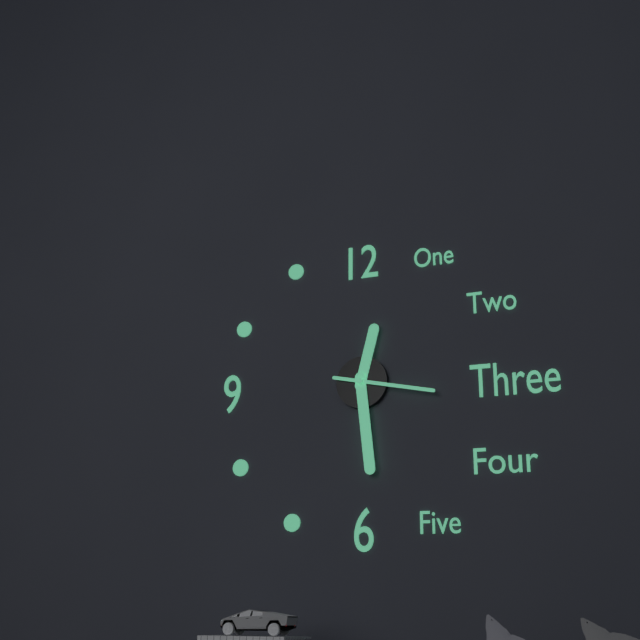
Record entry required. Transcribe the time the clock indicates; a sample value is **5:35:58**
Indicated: **12:29:17**
